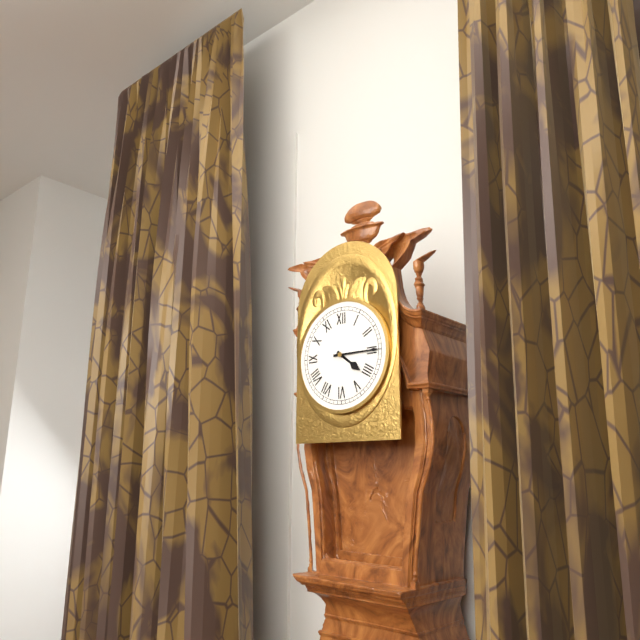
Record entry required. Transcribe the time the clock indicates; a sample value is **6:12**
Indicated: **4:15**
